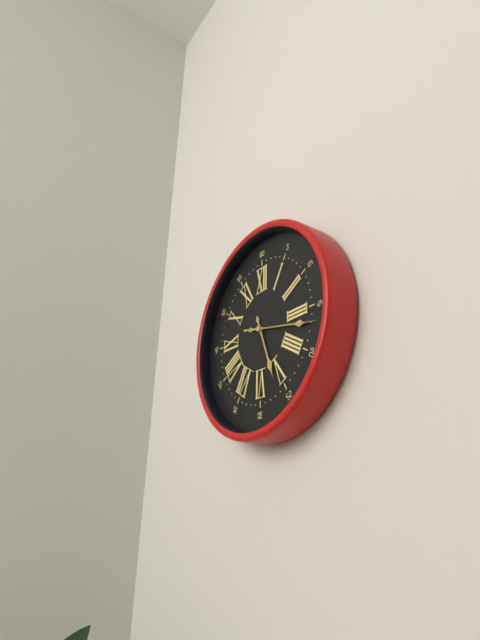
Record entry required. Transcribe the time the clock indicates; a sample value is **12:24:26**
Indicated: **5:17:17**
